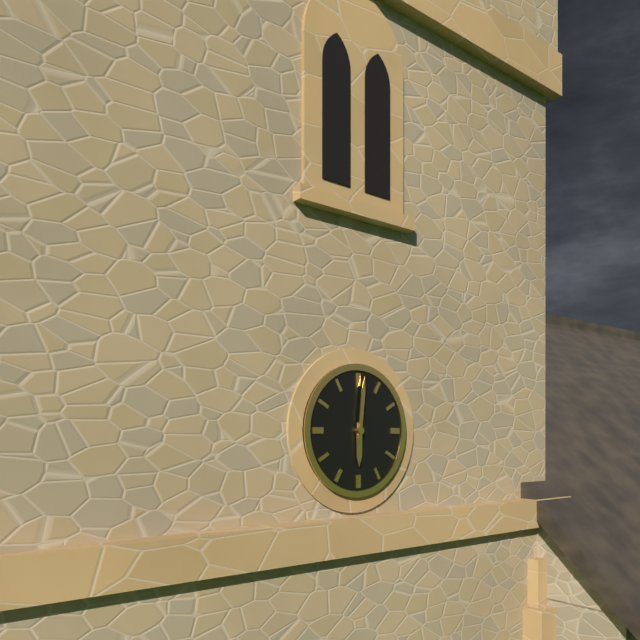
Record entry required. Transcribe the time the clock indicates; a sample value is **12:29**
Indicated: **6:01**
